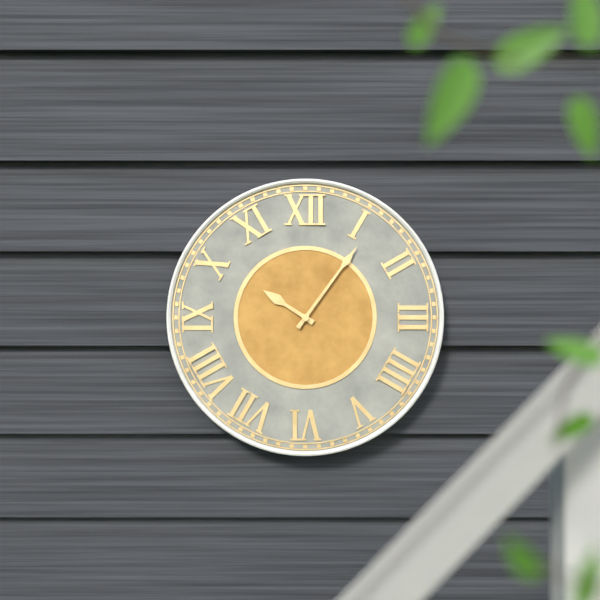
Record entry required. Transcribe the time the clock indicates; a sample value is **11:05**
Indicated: **10:06**
